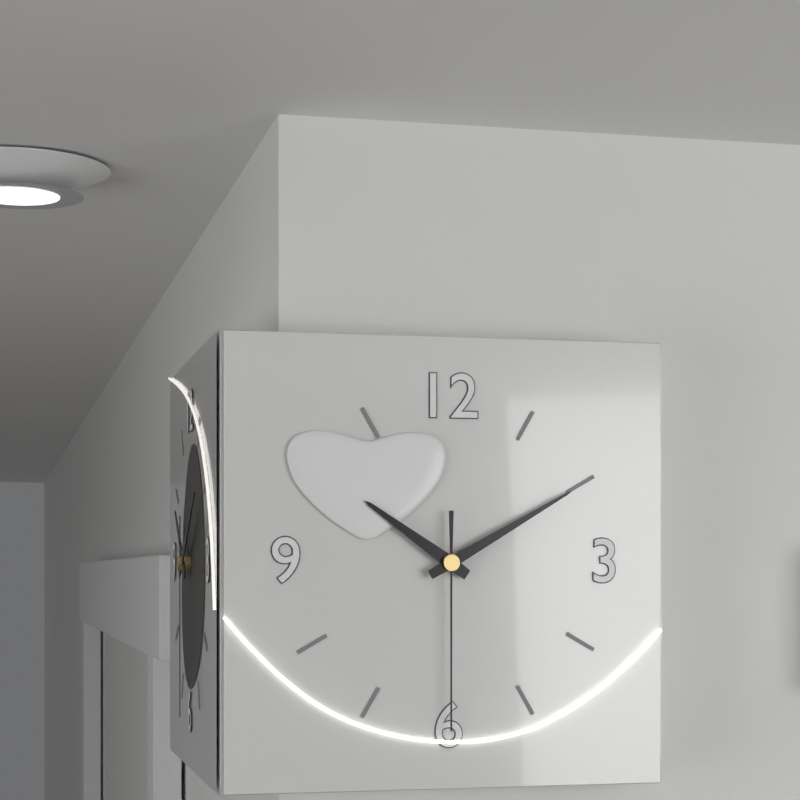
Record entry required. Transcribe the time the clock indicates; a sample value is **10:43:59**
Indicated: **10:10:30**
